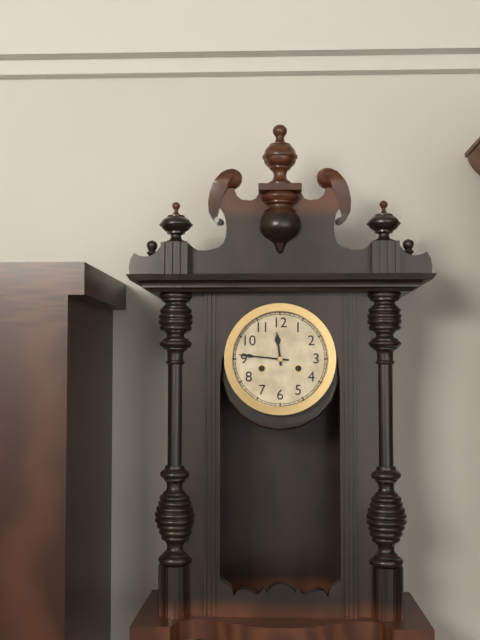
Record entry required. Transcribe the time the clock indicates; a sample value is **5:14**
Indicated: **11:46**
